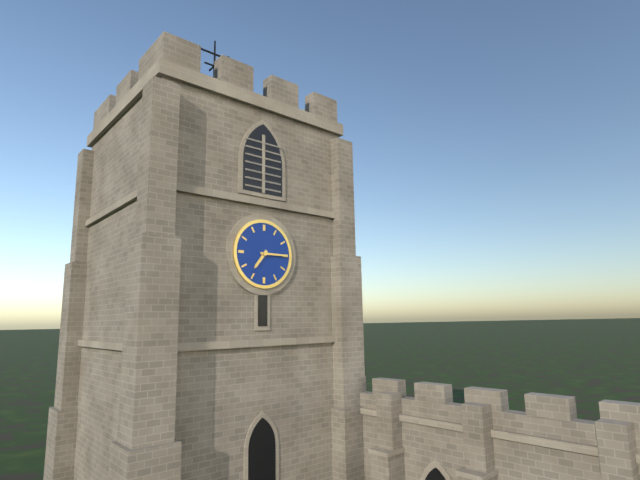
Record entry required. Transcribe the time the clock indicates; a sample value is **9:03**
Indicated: **7:15**
